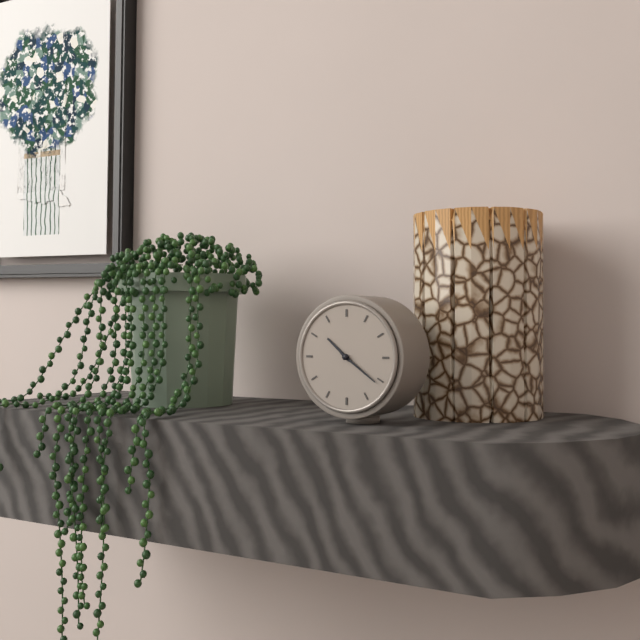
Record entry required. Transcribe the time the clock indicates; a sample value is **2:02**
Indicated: **10:21**
